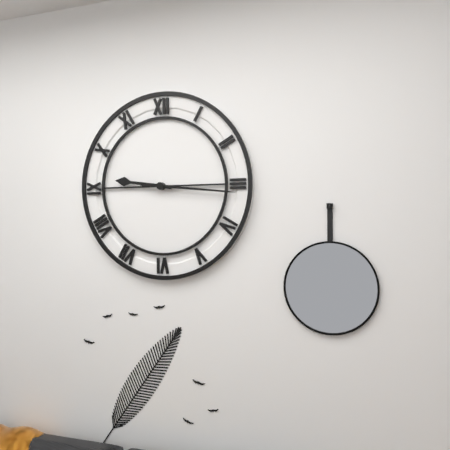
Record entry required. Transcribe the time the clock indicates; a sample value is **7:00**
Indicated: **9:16**
